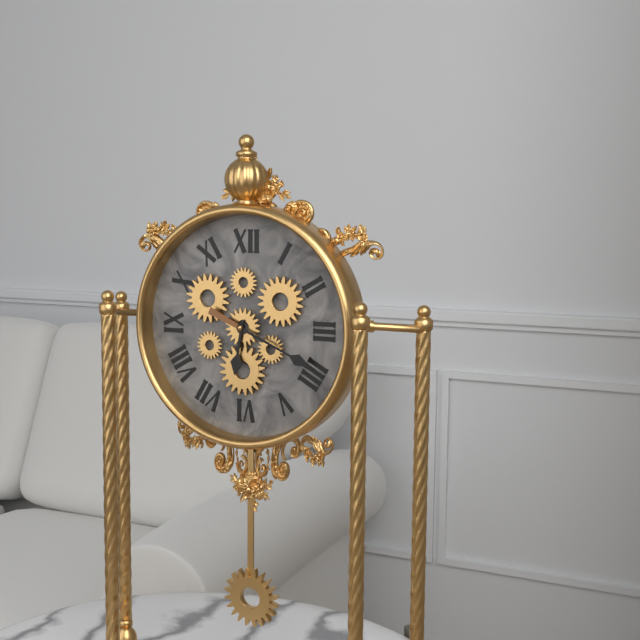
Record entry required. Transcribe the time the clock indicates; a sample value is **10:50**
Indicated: **6:19**
